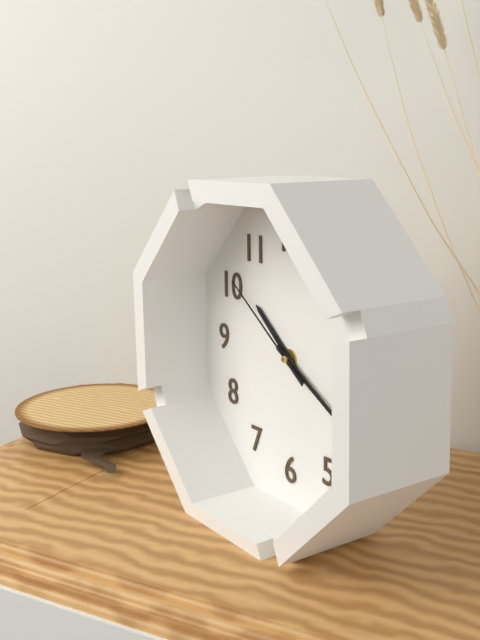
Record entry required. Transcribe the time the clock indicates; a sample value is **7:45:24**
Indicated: **10:20:51**
